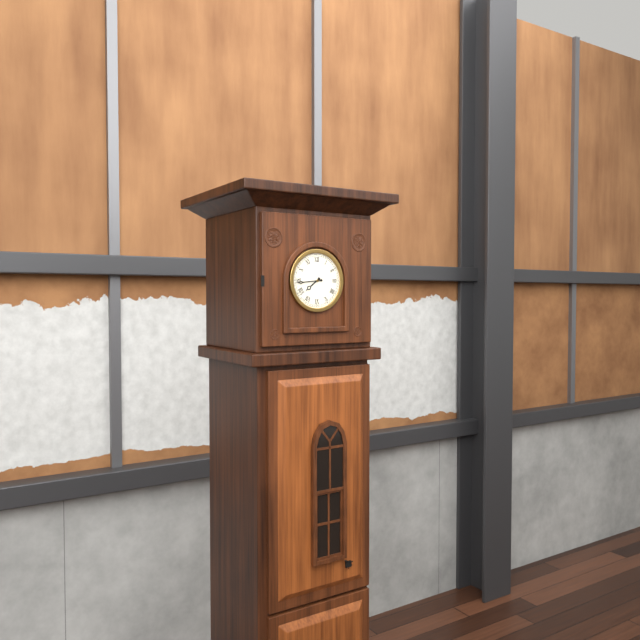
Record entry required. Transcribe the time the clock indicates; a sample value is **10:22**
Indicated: **7:44**
